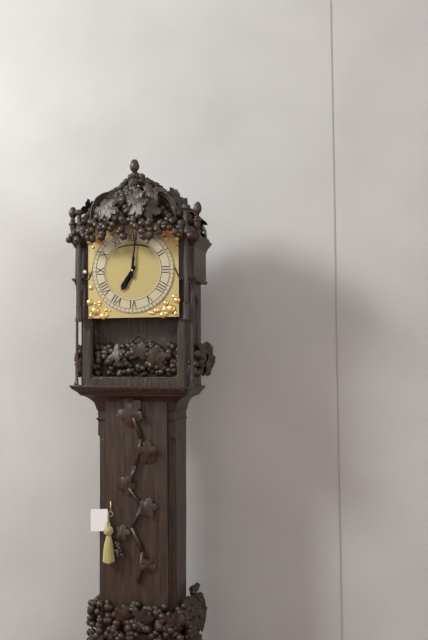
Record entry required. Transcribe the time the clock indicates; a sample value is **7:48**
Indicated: **7:01**
